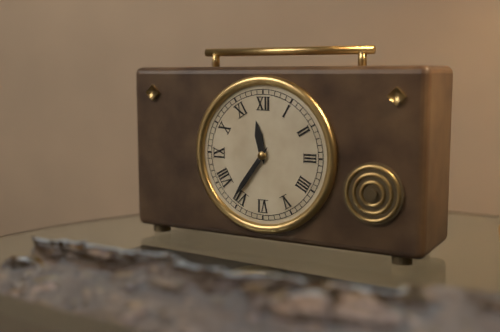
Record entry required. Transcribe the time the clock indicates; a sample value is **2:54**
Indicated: **11:36**
